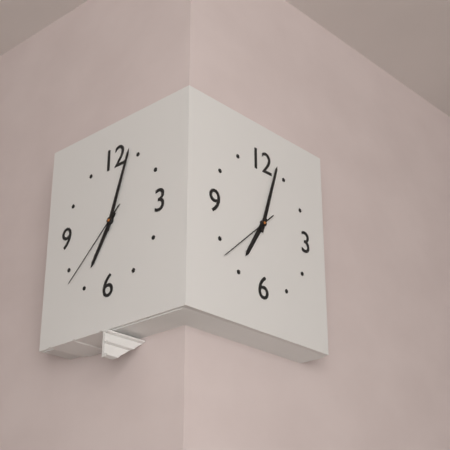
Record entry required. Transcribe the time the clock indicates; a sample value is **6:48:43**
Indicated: **7:03:38**
